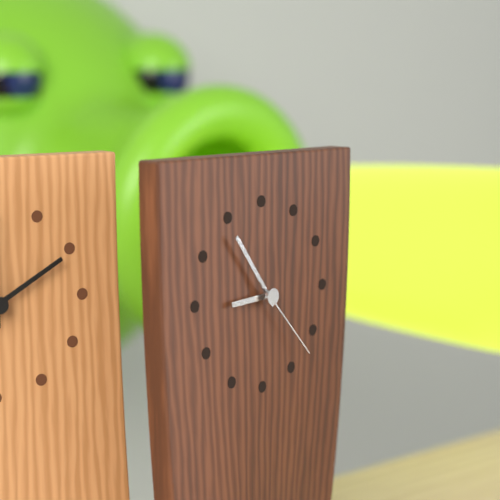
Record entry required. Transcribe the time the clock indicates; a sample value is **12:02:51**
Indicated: **8:54:23**
